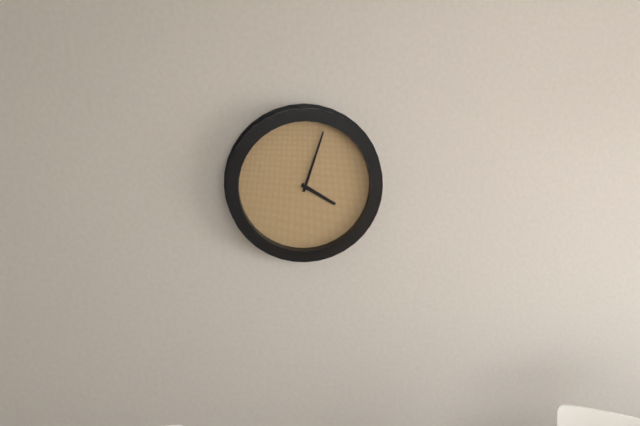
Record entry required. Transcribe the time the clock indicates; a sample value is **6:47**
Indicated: **4:03**
